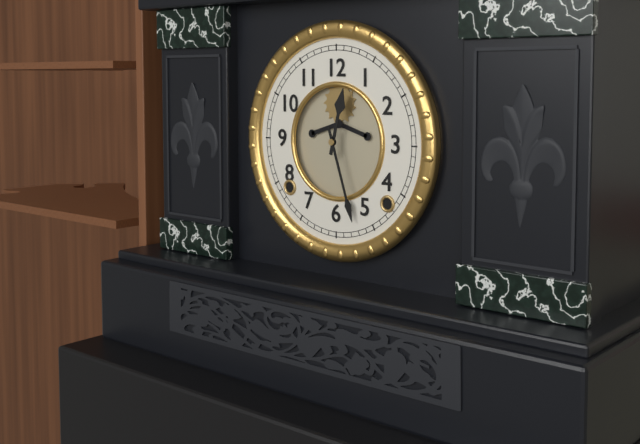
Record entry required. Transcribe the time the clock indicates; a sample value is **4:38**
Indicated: **12:27**
